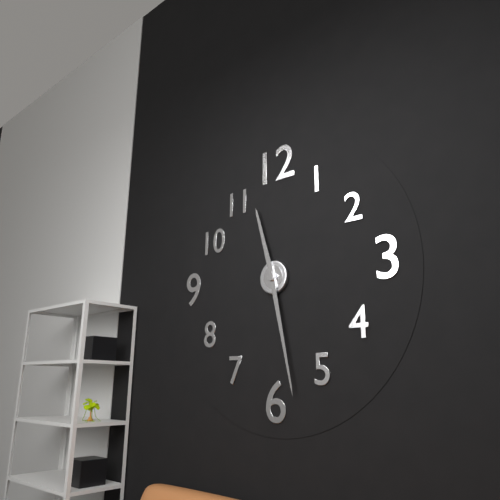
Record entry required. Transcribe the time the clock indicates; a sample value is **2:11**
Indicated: **11:28**
